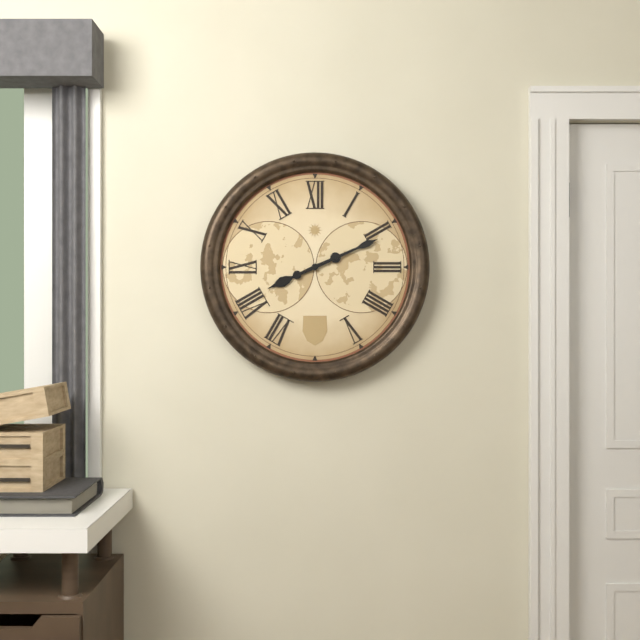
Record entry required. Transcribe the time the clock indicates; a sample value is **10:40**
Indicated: **8:11**
